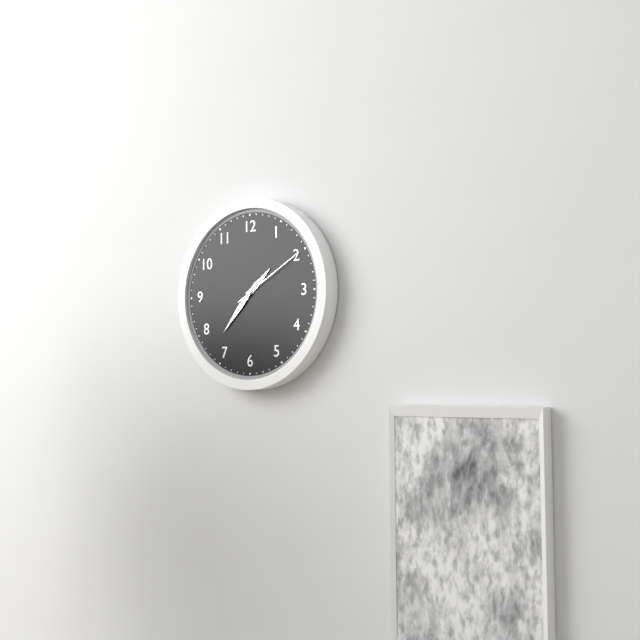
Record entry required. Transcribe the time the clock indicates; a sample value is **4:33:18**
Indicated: **1:37:10**
